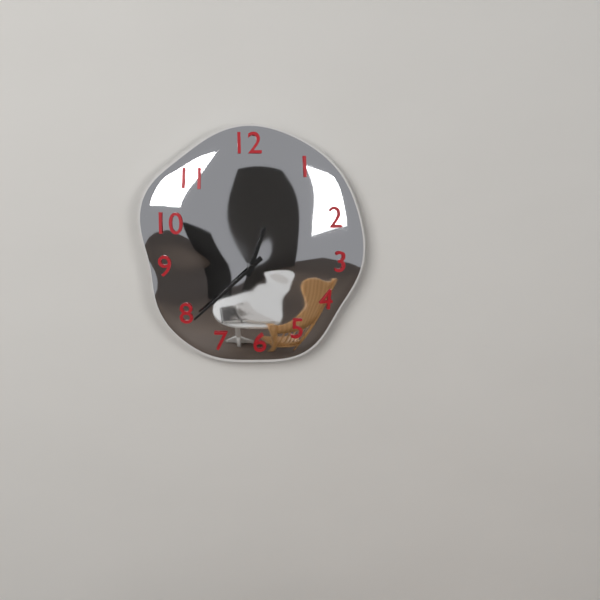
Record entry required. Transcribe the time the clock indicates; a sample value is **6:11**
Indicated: **12:38**
